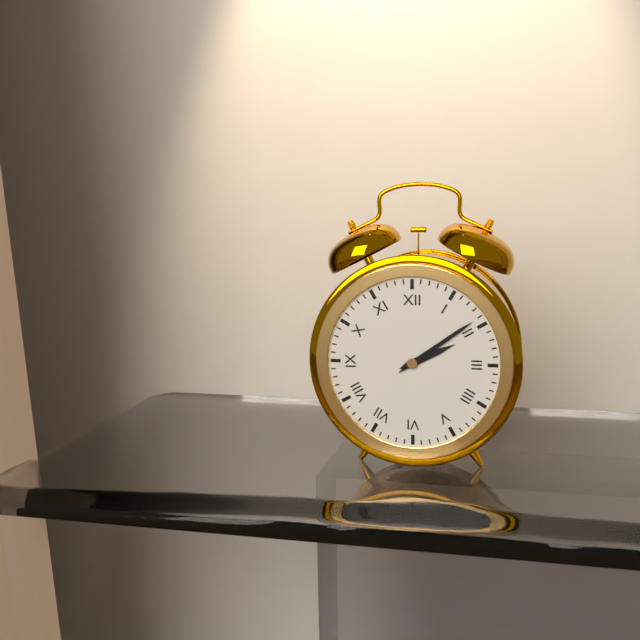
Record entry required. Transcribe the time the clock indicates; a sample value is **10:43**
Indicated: **2:09**
